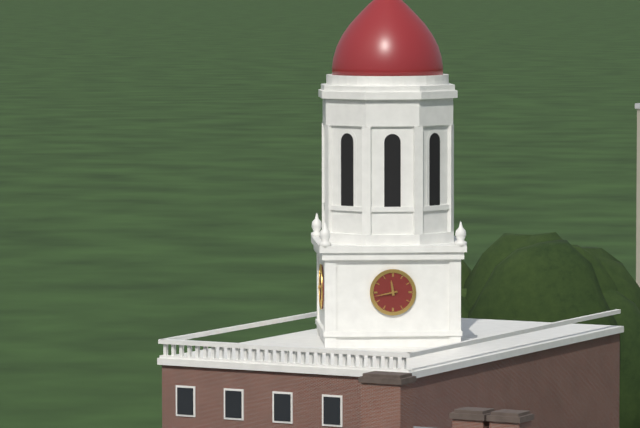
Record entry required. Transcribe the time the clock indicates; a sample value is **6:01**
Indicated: **11:43**
